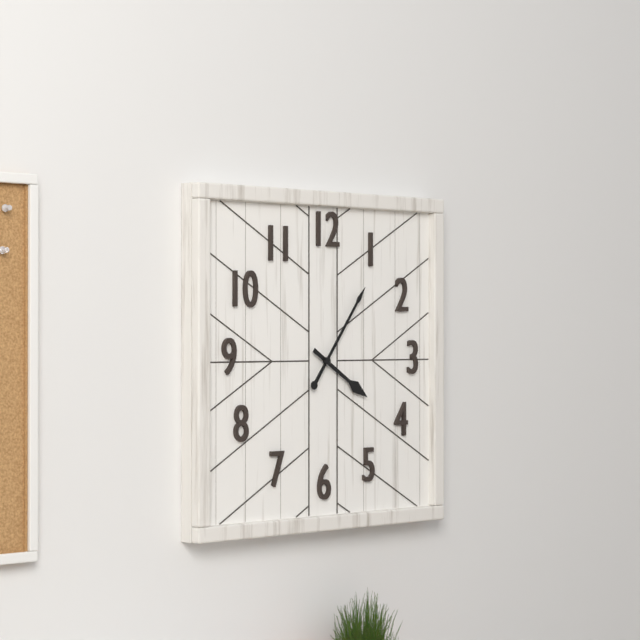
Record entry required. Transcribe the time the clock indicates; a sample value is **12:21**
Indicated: **4:06**
